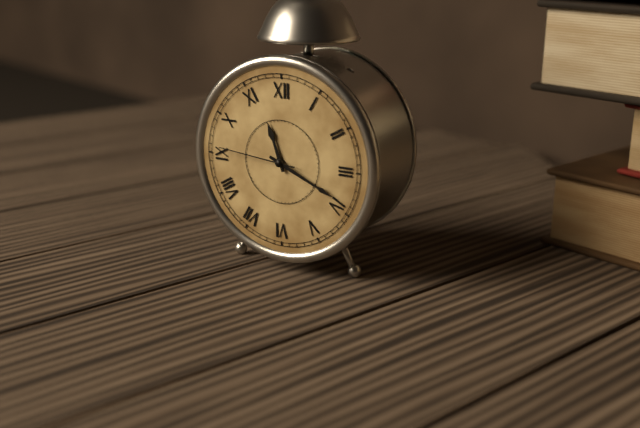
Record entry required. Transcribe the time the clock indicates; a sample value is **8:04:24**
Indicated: **11:19:46**
